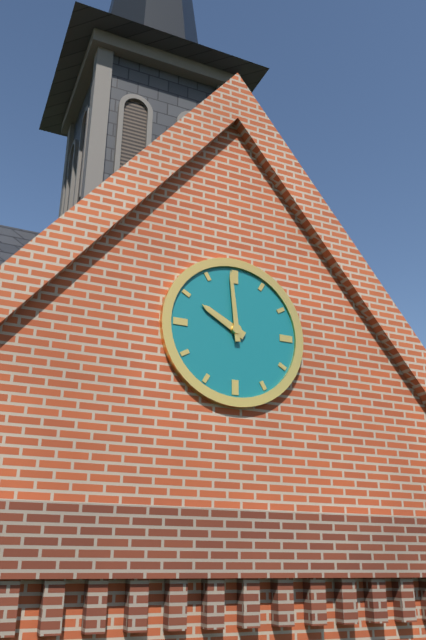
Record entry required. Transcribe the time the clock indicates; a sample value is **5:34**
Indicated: **9:59**
